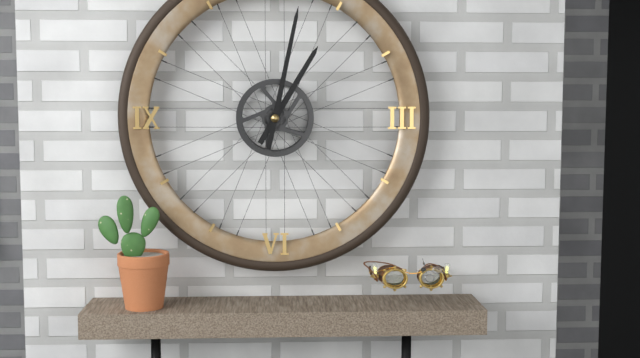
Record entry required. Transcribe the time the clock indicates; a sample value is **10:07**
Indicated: **1:02**
